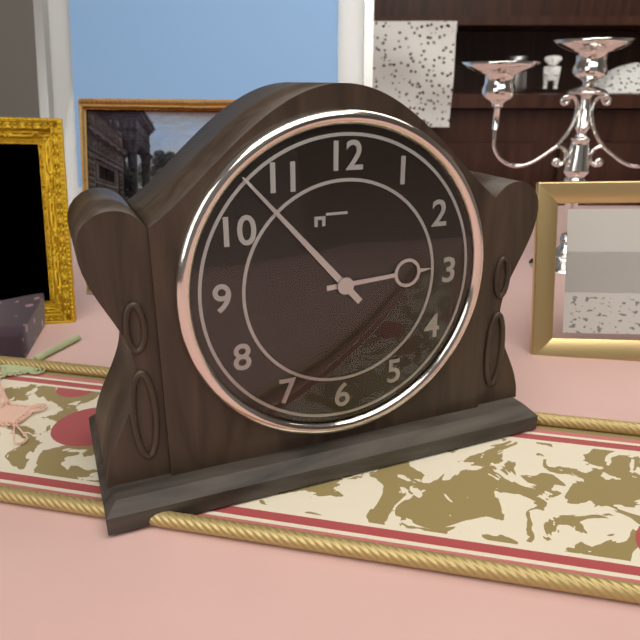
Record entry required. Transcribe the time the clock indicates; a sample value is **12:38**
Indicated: **2:53**
